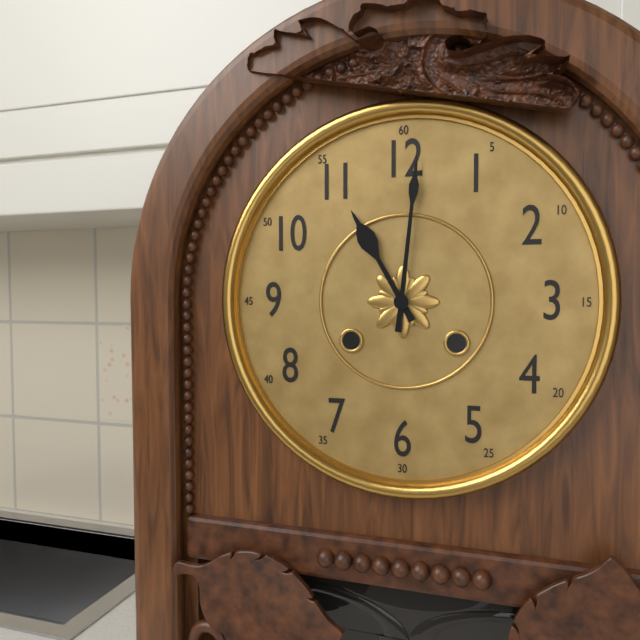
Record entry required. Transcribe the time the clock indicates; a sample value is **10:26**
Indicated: **11:01**
